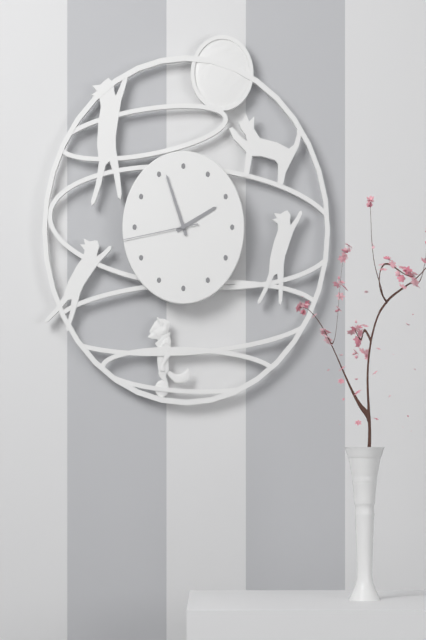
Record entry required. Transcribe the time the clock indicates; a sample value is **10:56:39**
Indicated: **1:57:43**
